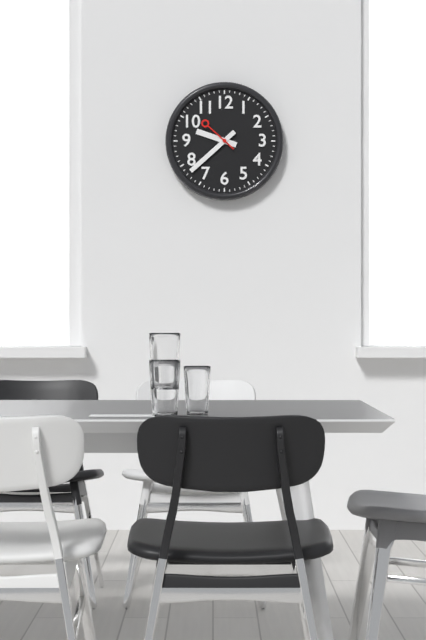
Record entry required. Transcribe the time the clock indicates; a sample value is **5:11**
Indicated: **9:38**
